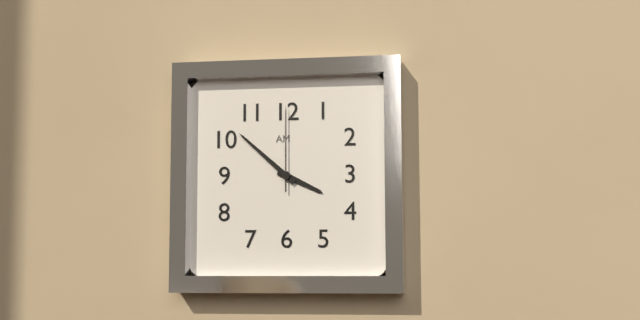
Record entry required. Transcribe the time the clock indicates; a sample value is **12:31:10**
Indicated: **3:52:00**
